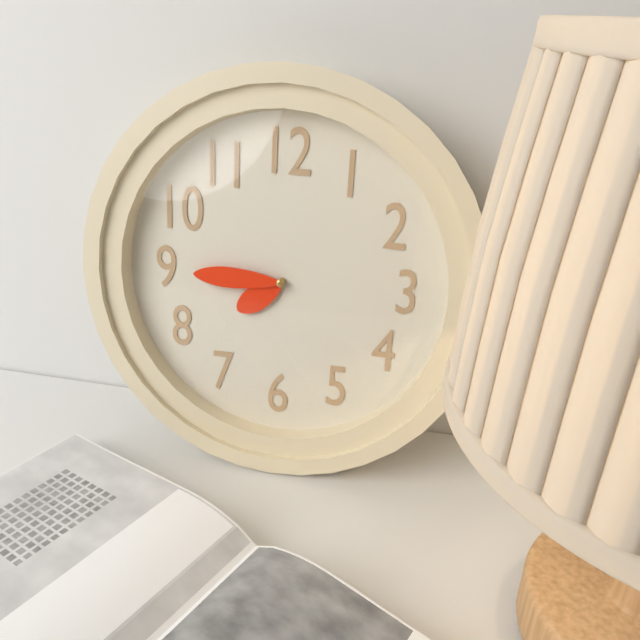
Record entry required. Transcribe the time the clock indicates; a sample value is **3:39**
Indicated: **7:45**
